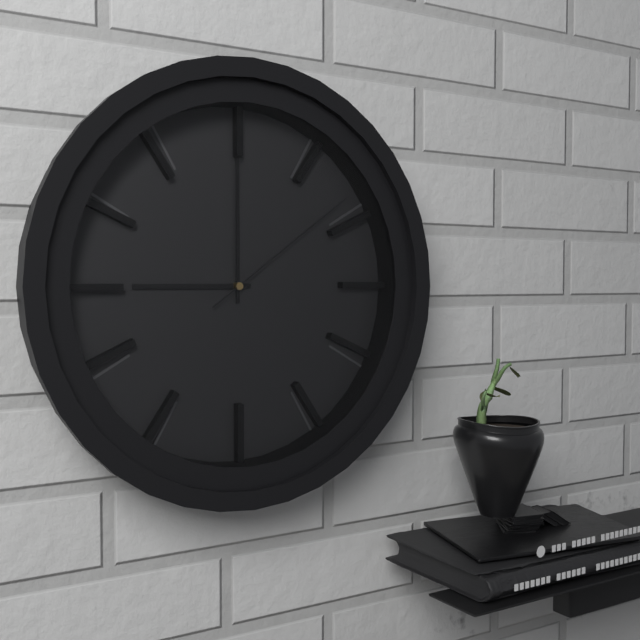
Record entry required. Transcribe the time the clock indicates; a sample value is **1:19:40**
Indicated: **9:00:09**
